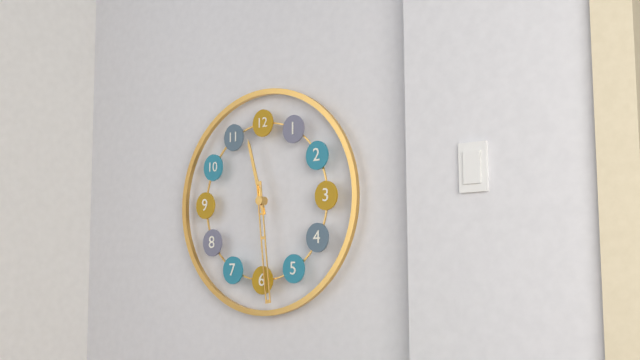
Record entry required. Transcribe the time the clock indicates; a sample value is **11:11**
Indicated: **11:29**
